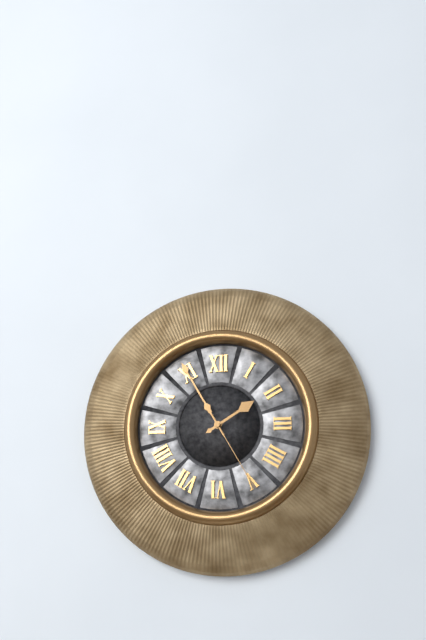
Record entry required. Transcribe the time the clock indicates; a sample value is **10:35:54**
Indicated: **1:55:25**
